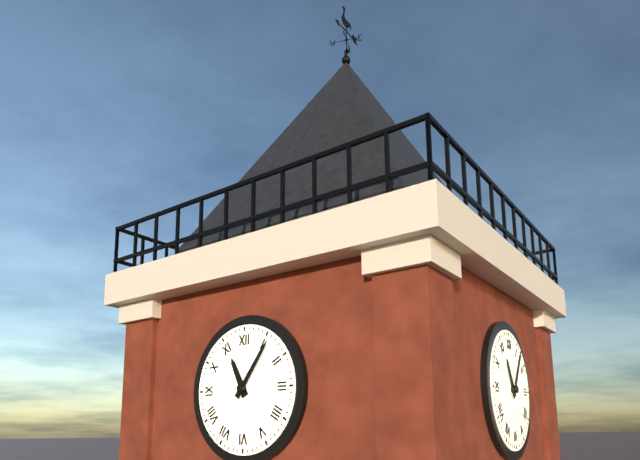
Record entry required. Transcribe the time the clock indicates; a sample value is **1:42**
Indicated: **11:06**
